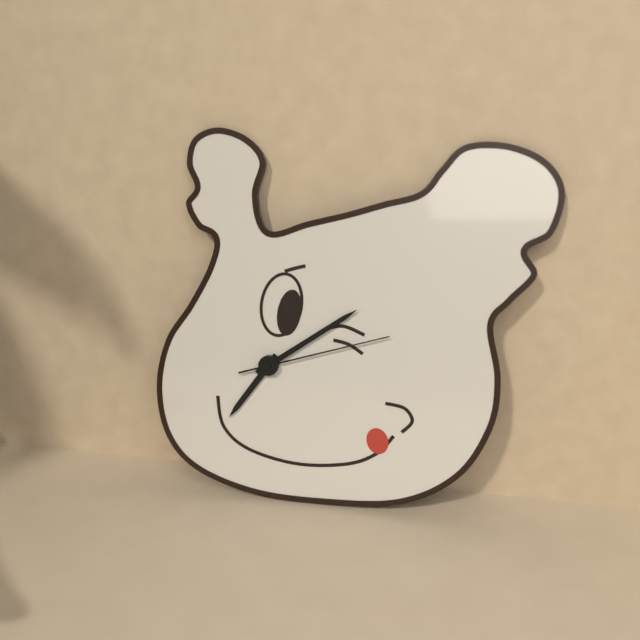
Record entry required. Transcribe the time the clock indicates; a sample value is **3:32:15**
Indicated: **7:09:12**
